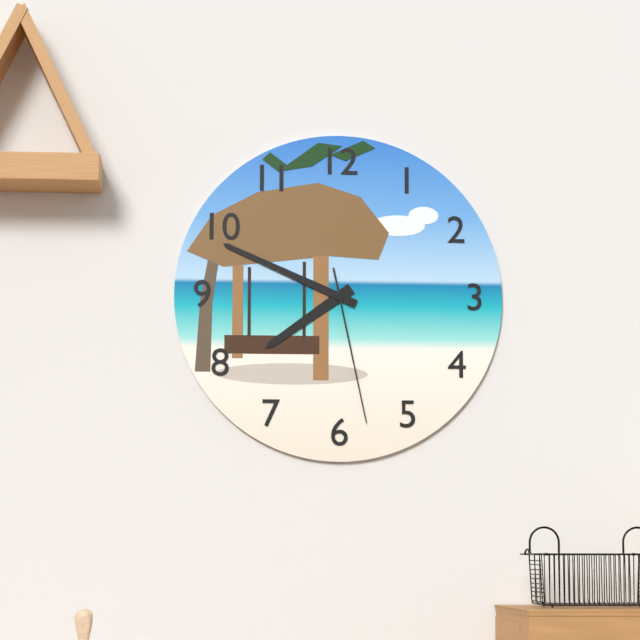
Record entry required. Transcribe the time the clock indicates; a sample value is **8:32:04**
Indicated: **7:49:28**
